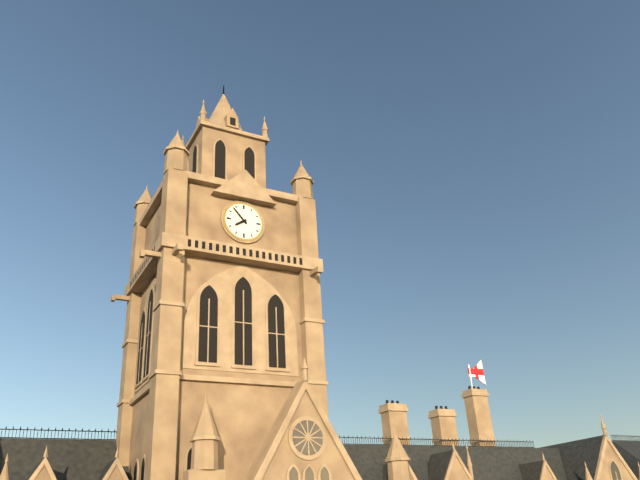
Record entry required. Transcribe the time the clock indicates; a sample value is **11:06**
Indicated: **7:53**
